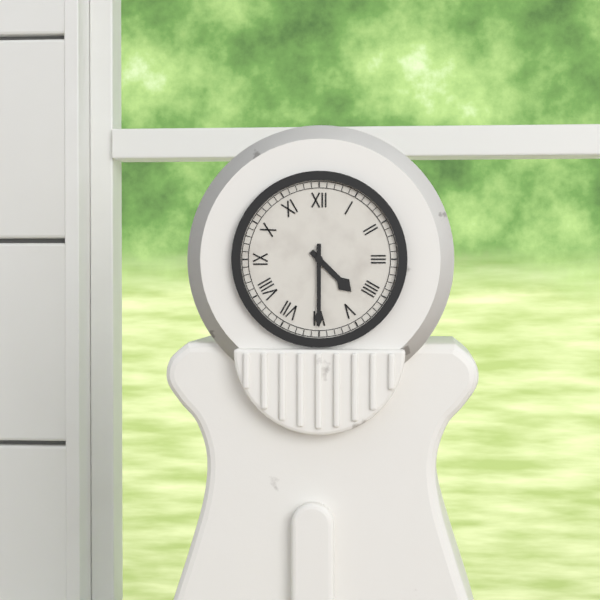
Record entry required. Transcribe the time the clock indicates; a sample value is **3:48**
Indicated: **4:30**
